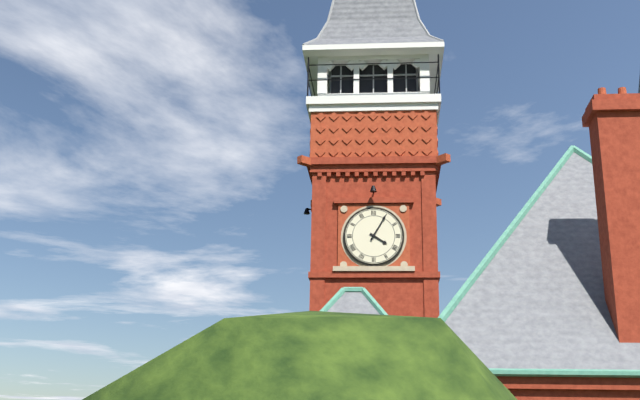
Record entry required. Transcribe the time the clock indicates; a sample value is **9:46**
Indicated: **4:05**
